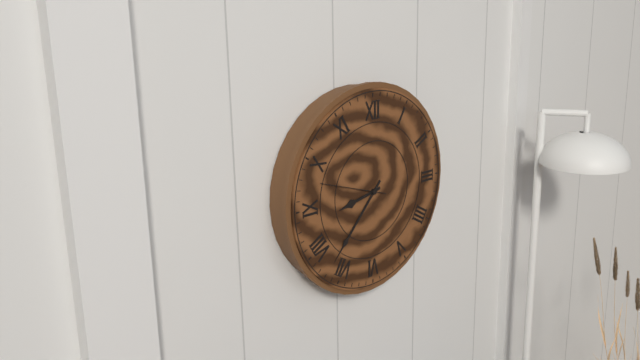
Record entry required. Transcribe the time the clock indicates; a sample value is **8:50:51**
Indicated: **8:37:48**
